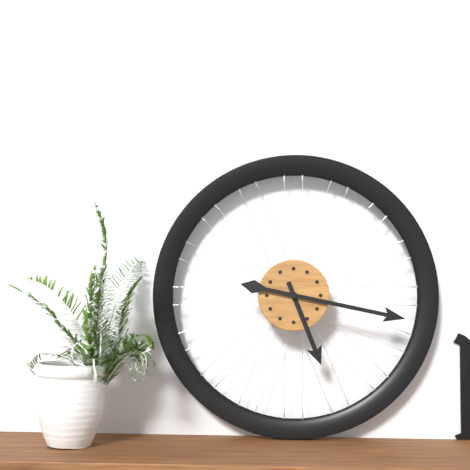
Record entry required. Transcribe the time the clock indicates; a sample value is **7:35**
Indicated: **5:17**
